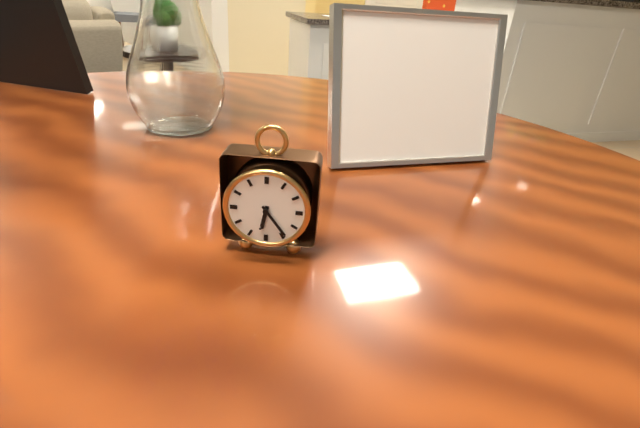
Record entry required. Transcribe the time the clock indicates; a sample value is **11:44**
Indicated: **6:24**
